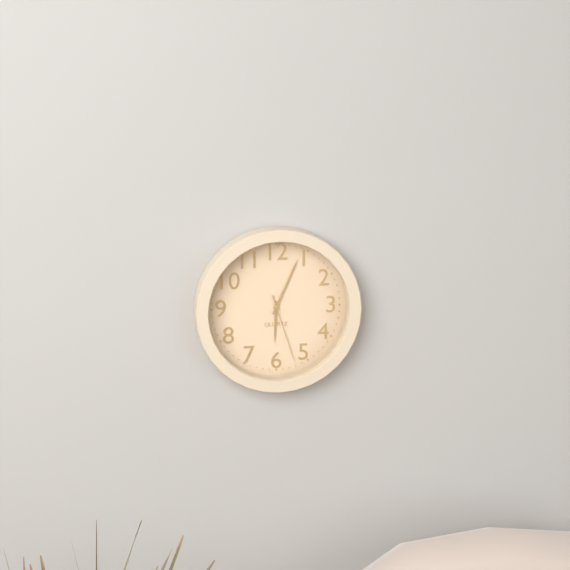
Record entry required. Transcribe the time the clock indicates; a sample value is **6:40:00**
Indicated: **6:04:27**
